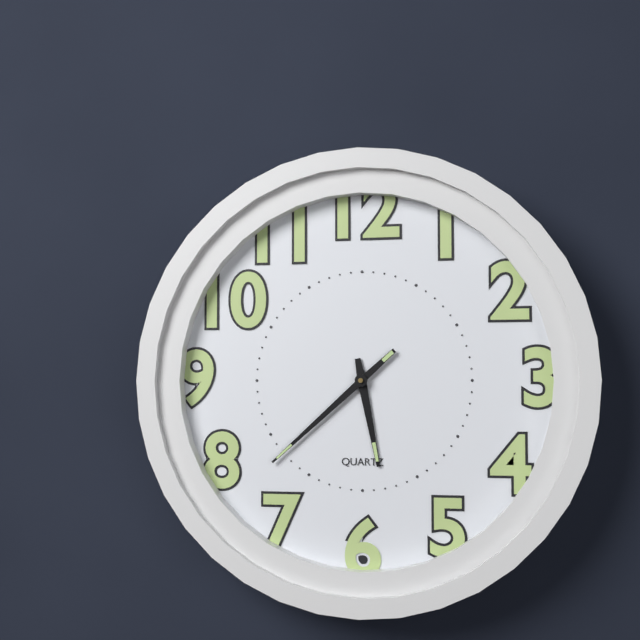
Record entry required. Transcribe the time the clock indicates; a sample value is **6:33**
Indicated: **5:38**
